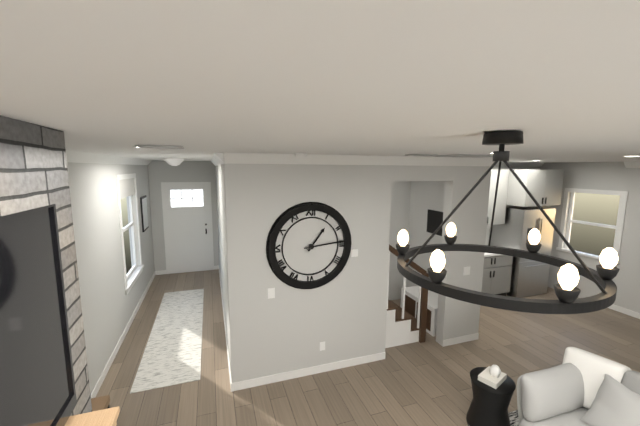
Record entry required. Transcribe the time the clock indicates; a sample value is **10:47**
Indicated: **1:14**
